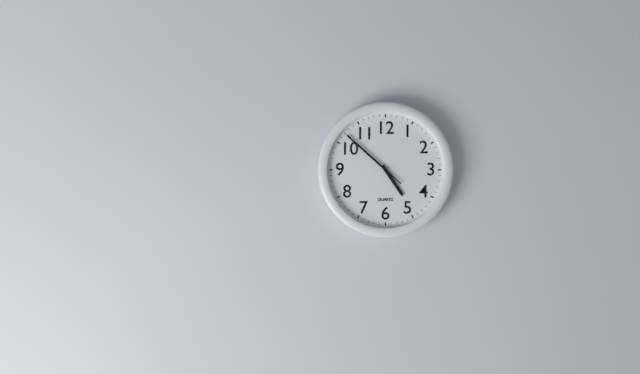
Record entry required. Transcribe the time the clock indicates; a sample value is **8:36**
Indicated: **4:52**
